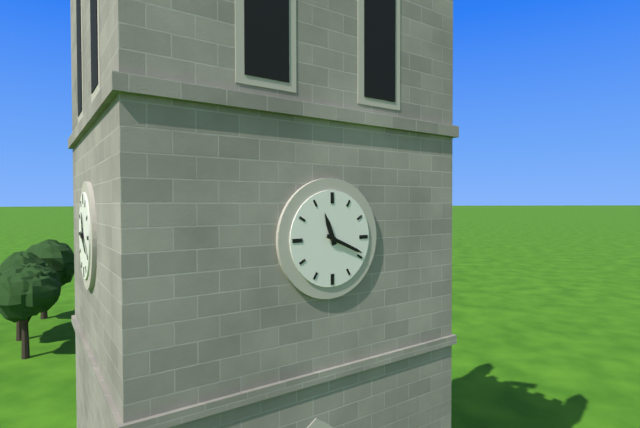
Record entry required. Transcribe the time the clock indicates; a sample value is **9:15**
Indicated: **11:19**
